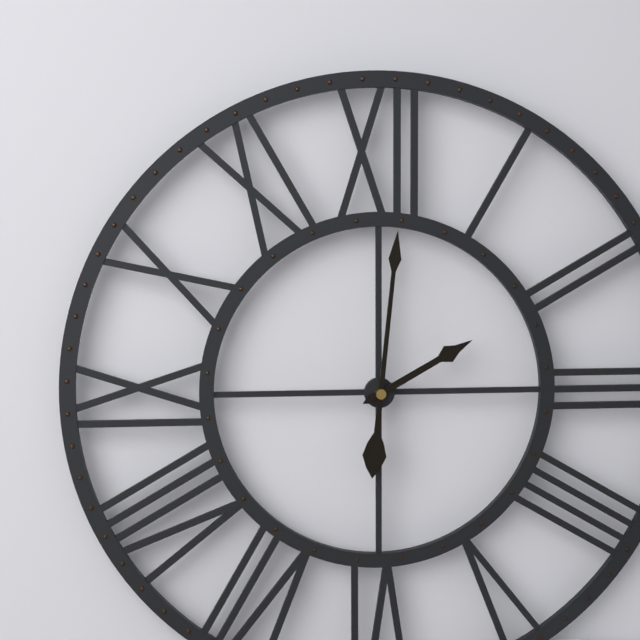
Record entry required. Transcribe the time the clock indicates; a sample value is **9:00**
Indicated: **2:01**
